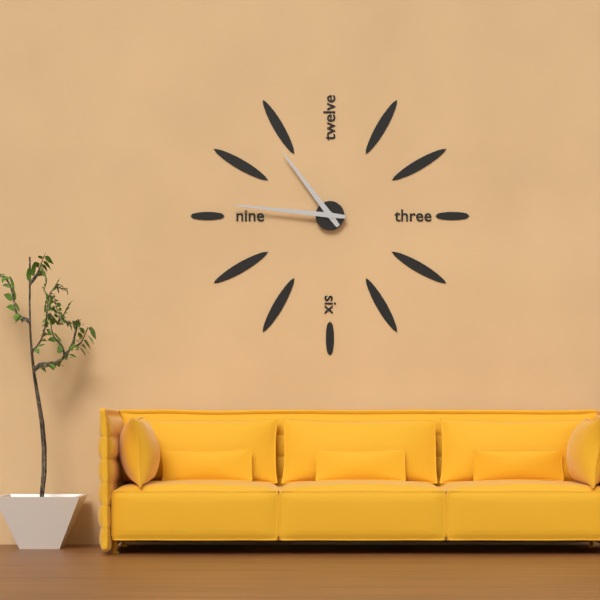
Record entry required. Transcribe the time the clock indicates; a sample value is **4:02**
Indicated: **10:46**
